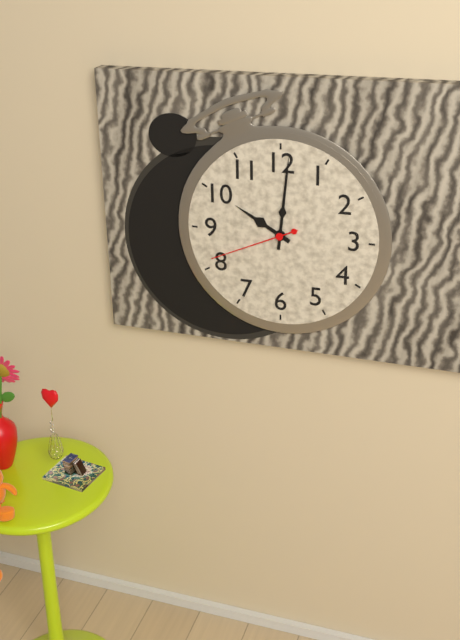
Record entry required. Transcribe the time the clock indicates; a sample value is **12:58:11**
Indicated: **10:01:41**
